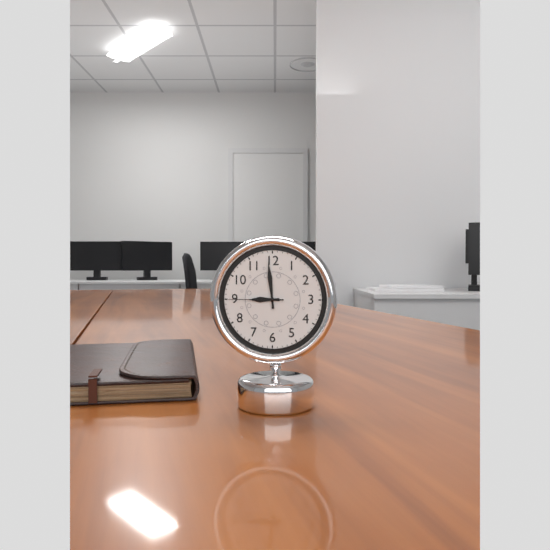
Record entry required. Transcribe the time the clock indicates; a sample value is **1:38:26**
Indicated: **8:59:45**
